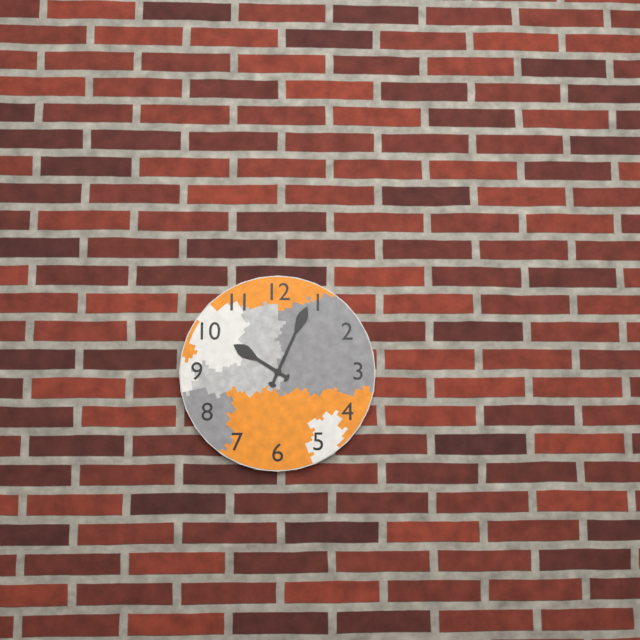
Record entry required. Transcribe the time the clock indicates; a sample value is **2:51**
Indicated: **10:04**
